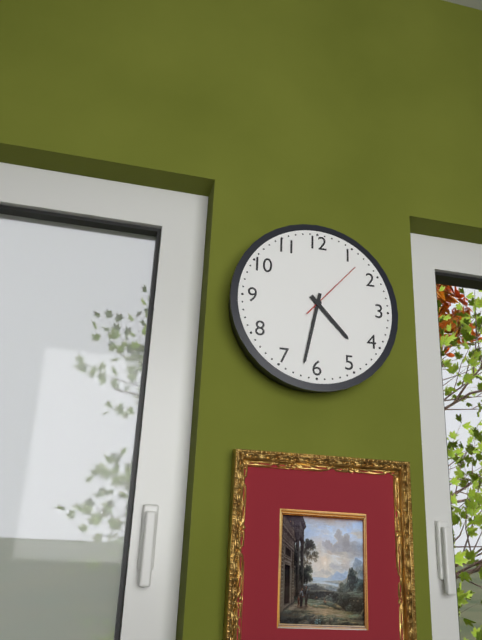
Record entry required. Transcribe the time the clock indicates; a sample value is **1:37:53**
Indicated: **4:32:07**
